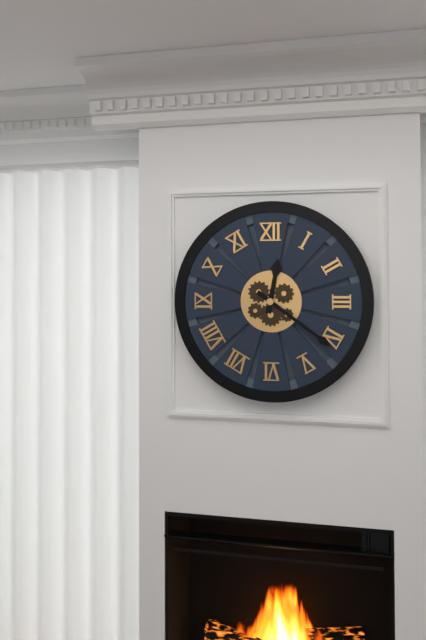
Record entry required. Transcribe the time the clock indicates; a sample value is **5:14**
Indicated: **12:21**
